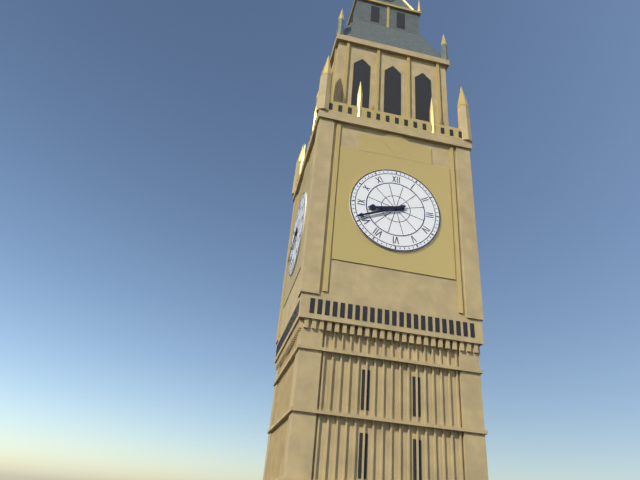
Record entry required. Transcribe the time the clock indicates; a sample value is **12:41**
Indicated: **8:41**
